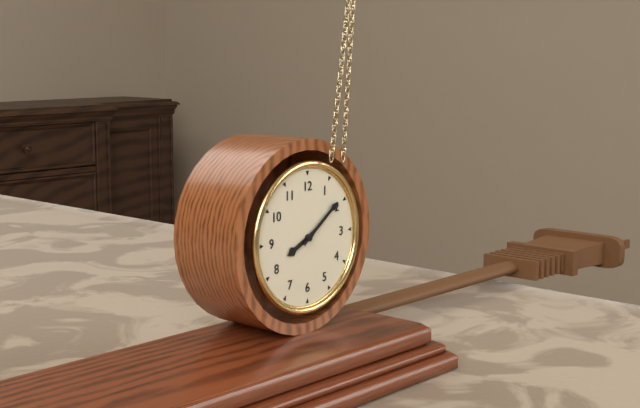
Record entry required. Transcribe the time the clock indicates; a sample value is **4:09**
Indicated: **8:09**
